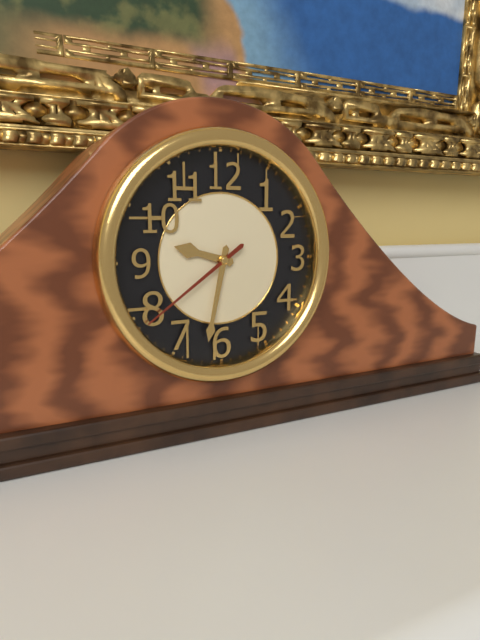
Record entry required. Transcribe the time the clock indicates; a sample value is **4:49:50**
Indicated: **9:32:39**
